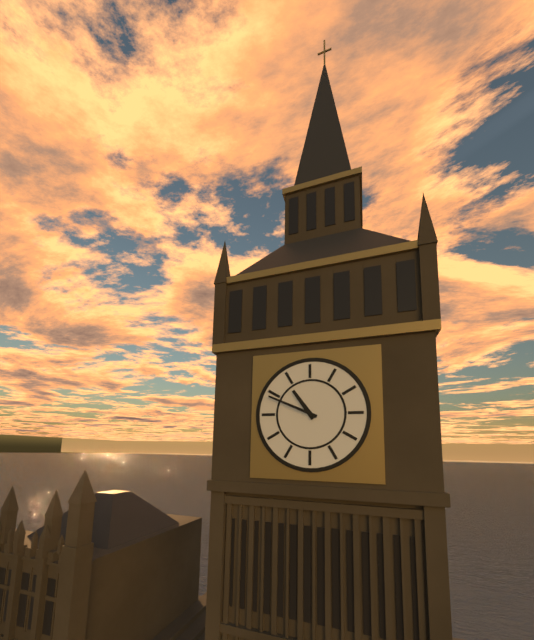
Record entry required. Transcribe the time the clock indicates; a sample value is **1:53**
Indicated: **10:49**
